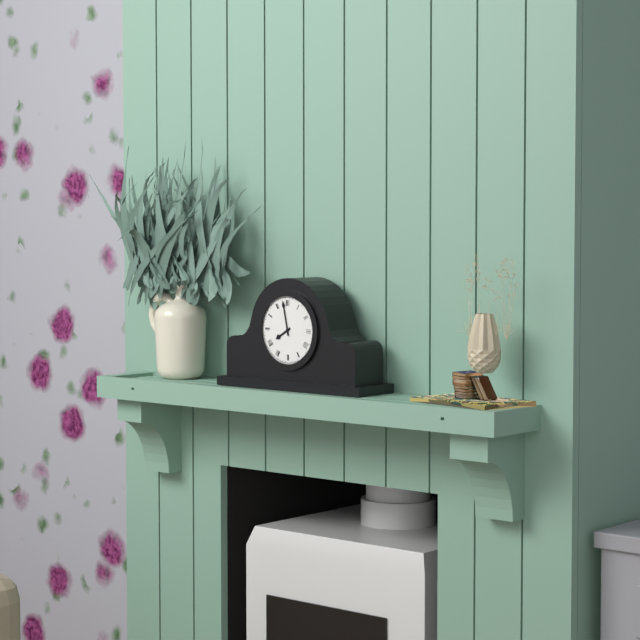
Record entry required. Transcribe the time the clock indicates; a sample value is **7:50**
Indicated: **7:58**
